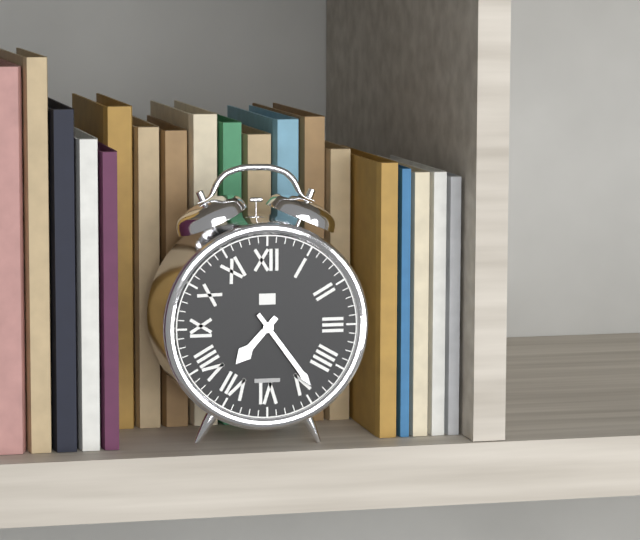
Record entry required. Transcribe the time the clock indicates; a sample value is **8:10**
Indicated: **7:24**
